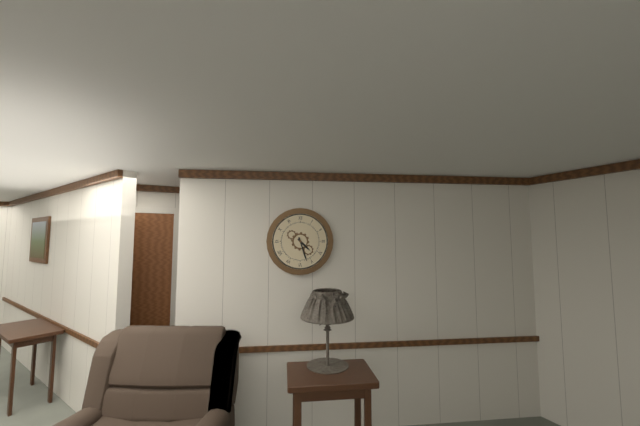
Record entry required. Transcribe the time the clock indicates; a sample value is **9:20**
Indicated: **4:27**
